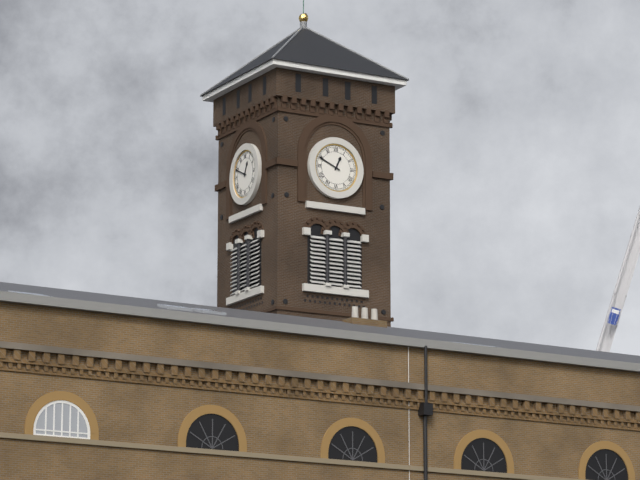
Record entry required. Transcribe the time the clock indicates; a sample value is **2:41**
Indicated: **12:49**
